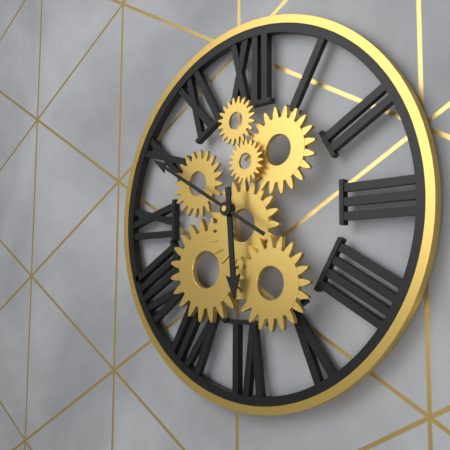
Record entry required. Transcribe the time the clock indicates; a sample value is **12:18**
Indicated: **5:50**
